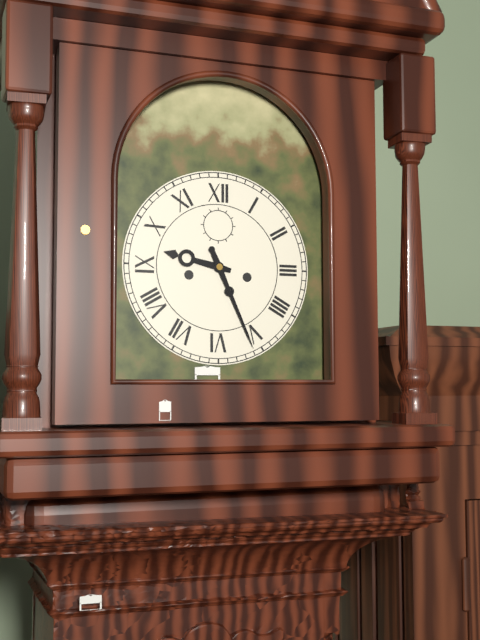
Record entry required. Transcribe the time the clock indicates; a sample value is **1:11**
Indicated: **9:26**
